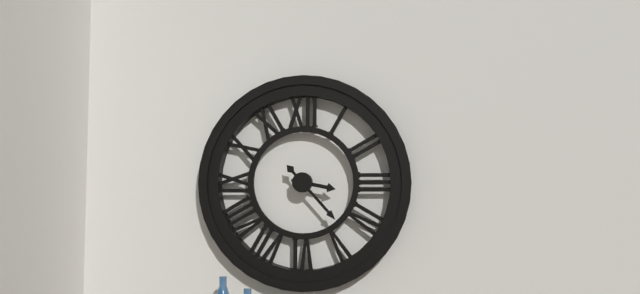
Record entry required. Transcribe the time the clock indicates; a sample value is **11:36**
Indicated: **3:23**
